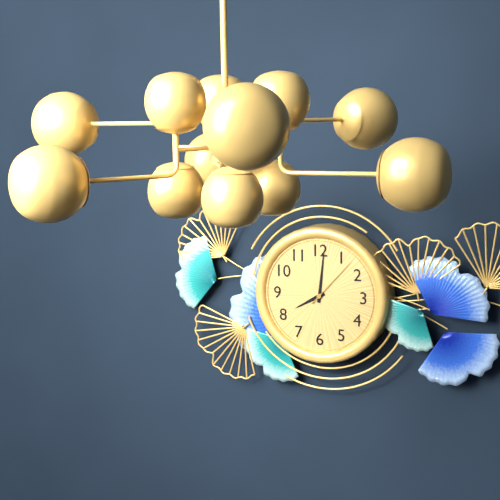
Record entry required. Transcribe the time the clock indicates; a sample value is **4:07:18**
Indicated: **8:01:07**
